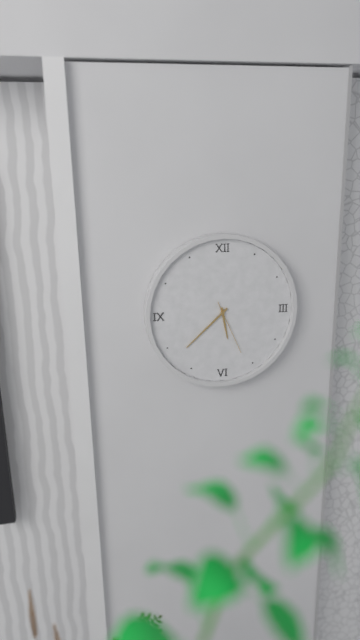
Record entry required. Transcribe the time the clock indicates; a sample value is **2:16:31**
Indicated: **5:38:26**
